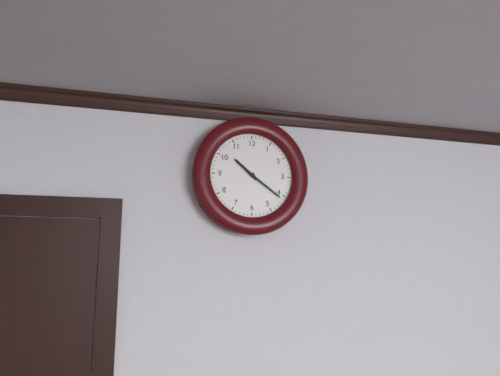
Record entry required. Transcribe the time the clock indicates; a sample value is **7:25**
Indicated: **10:21**
